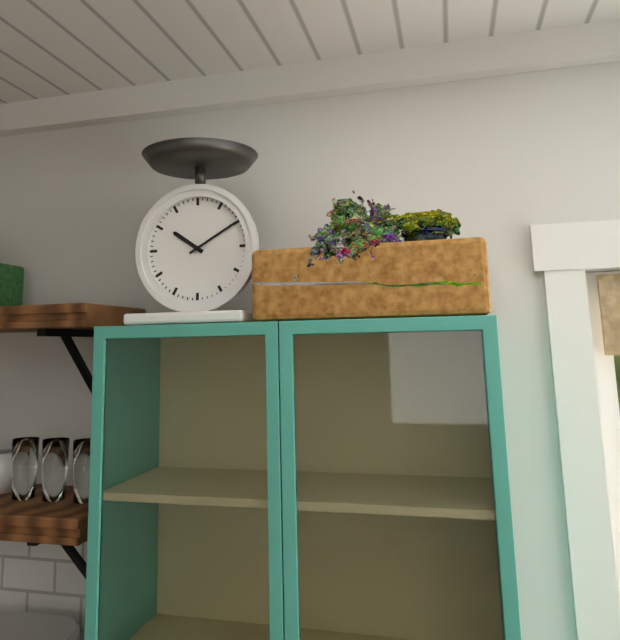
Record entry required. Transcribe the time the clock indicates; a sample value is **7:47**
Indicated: **10:10**
